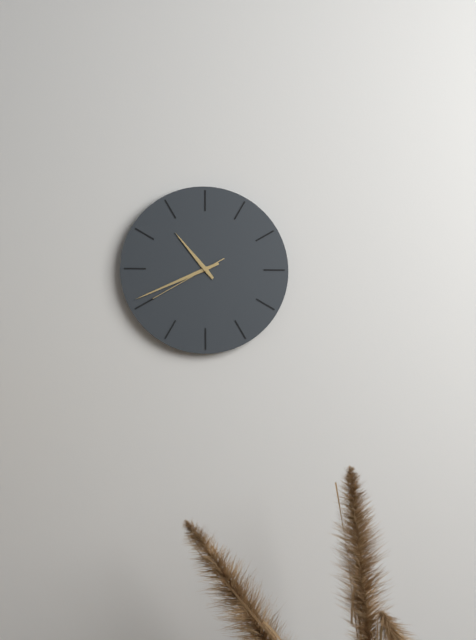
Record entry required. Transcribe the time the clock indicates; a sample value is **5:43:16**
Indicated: **10:41:40**
